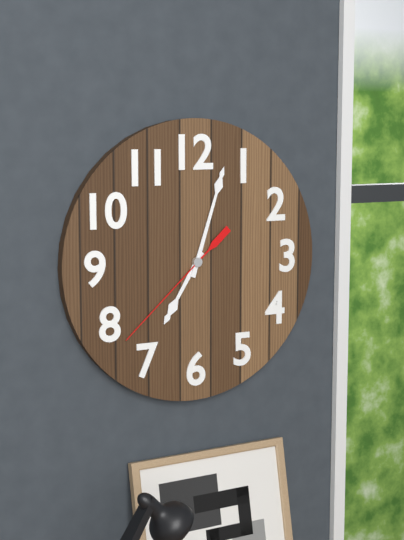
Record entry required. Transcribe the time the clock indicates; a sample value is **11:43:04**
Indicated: **7:03:38**
